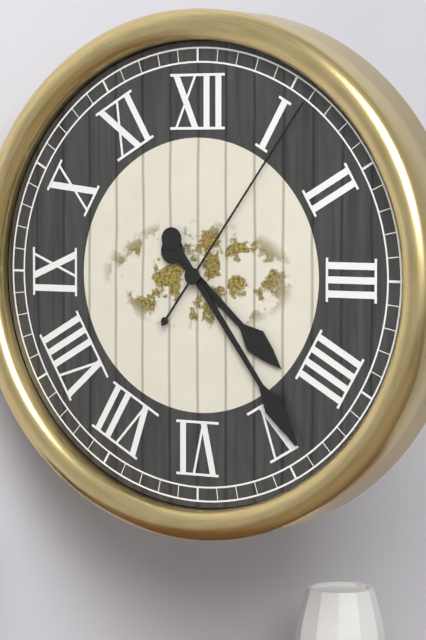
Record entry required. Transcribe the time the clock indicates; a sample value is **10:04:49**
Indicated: **4:24:06**
